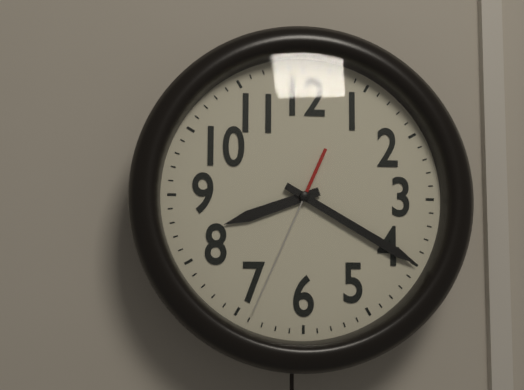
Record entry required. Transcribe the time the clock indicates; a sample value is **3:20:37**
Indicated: **8:20:34**
